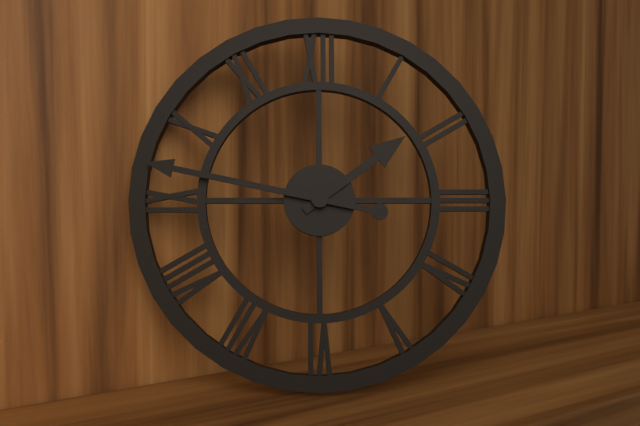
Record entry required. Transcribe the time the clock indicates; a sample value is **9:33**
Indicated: **1:47**
